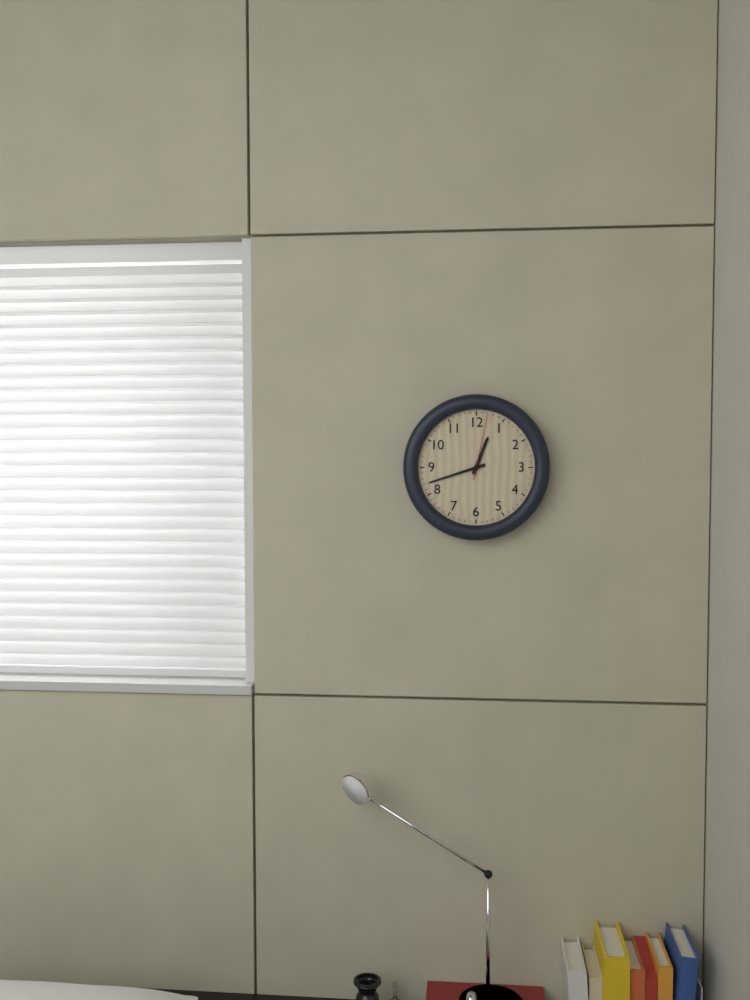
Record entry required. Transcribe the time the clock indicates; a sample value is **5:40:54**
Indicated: **12:42:02**
